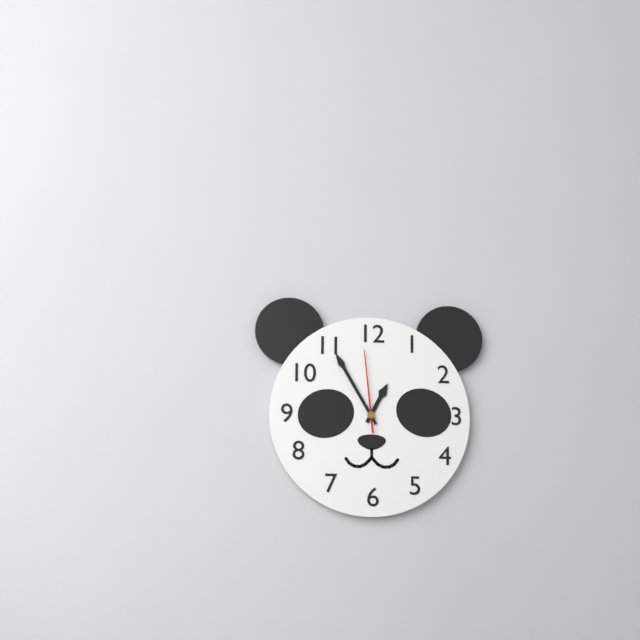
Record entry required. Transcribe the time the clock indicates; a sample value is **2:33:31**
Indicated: **12:55:59**
